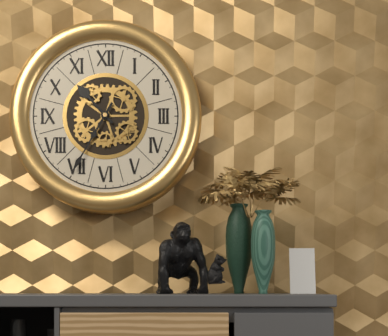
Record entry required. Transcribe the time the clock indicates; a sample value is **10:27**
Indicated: **10:35**
